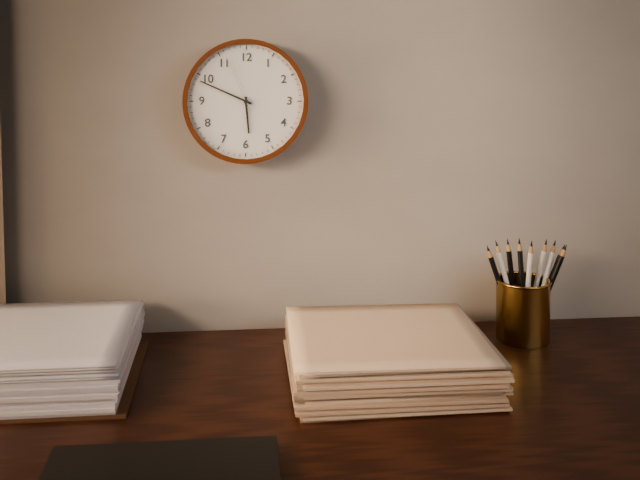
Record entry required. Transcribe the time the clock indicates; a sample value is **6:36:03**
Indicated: **5:49:56**
